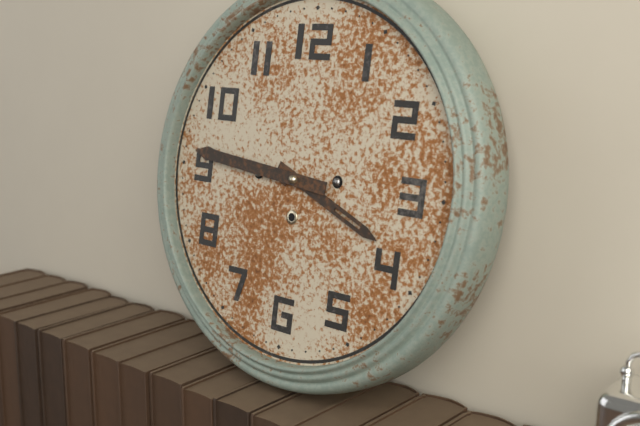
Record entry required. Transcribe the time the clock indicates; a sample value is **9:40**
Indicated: **3:46**
